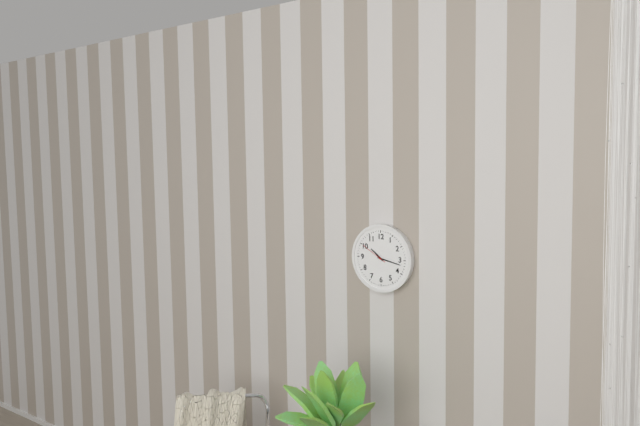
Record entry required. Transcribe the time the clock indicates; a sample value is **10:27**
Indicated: **10:17**
